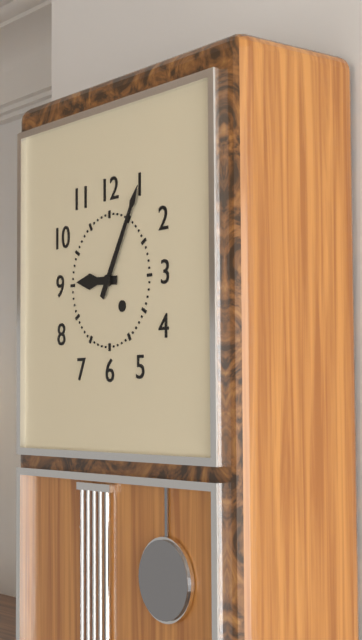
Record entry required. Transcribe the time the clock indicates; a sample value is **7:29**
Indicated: **9:05**
